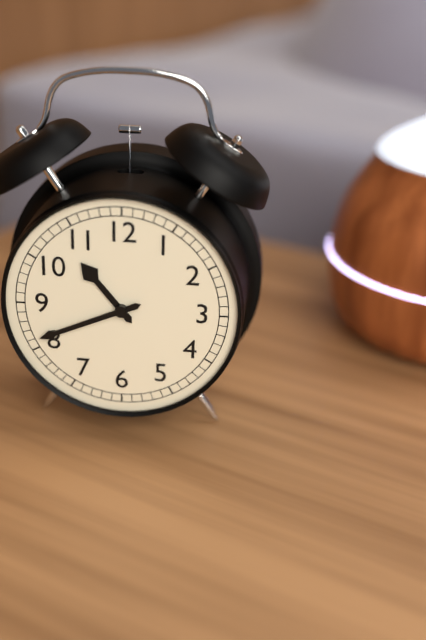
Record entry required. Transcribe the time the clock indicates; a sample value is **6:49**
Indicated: **10:41**
